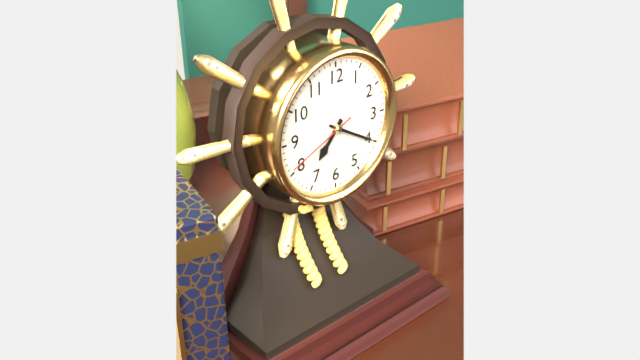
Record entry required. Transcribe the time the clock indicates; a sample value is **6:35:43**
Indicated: **7:20:41**
